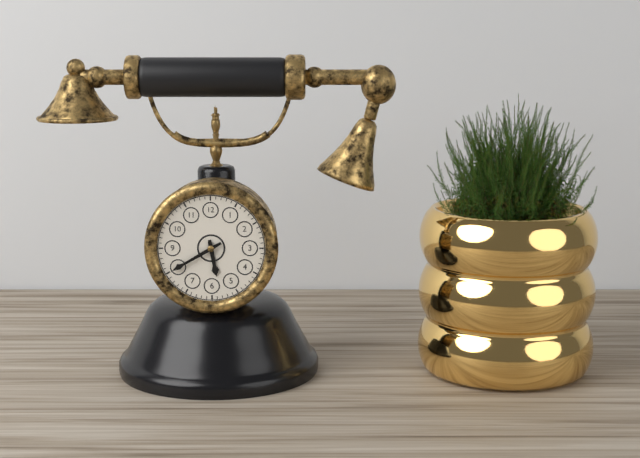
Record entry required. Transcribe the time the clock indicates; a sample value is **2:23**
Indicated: **5:40**
